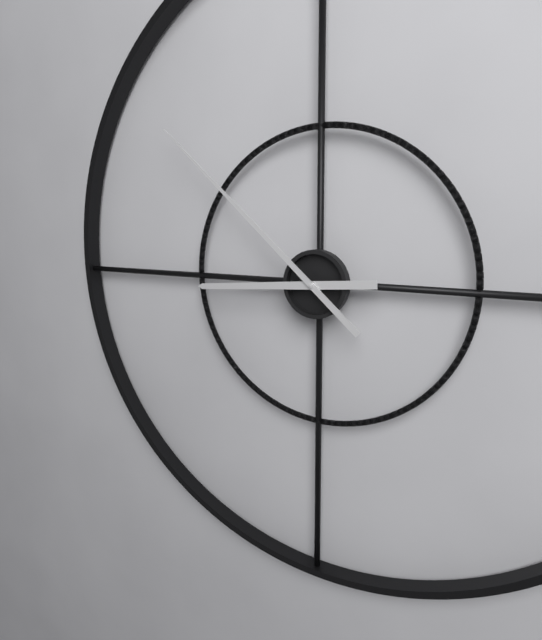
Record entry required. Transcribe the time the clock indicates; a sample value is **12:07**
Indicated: **8:52**
